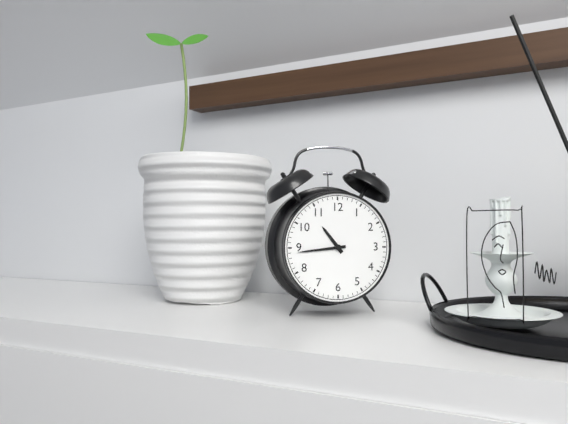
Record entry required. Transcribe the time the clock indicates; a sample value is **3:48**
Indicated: **10:44**
